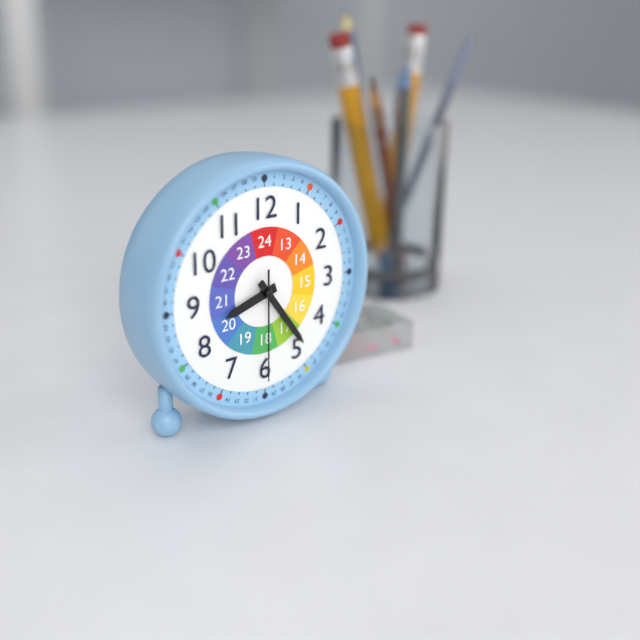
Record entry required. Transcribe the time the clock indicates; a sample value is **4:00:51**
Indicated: **8:24:30**
